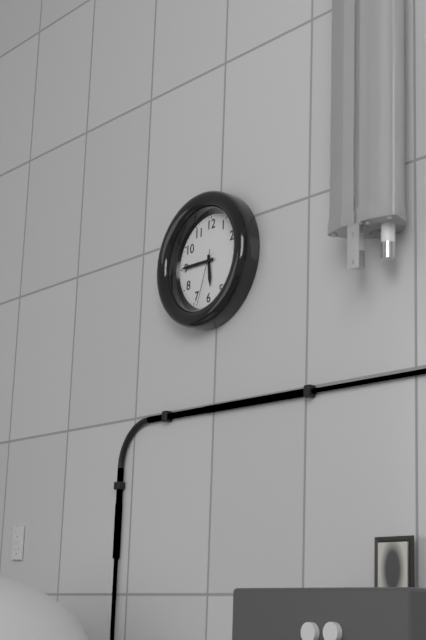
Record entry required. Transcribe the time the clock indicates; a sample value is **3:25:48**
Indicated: **5:45:33**
